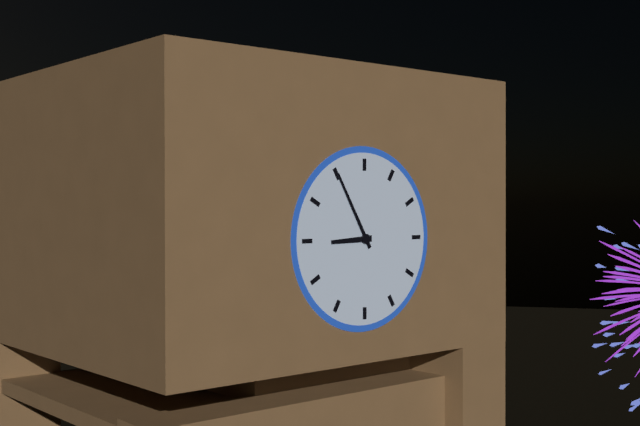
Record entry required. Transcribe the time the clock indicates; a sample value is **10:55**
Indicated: **8:55**
